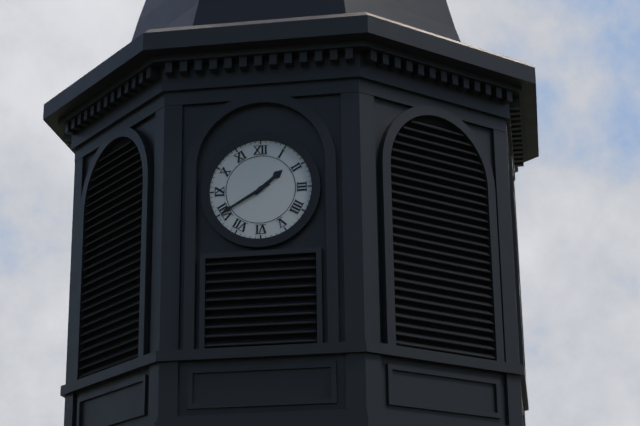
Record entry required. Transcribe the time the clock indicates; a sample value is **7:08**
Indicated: **1:40**
